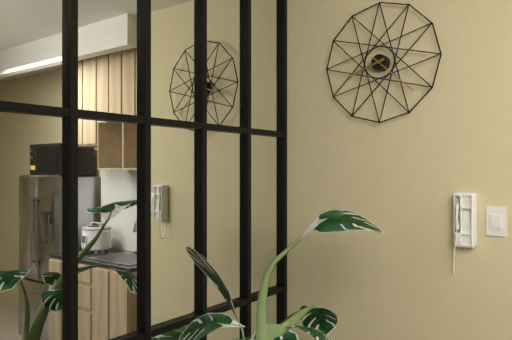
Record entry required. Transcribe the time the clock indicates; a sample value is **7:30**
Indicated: **8:22**
